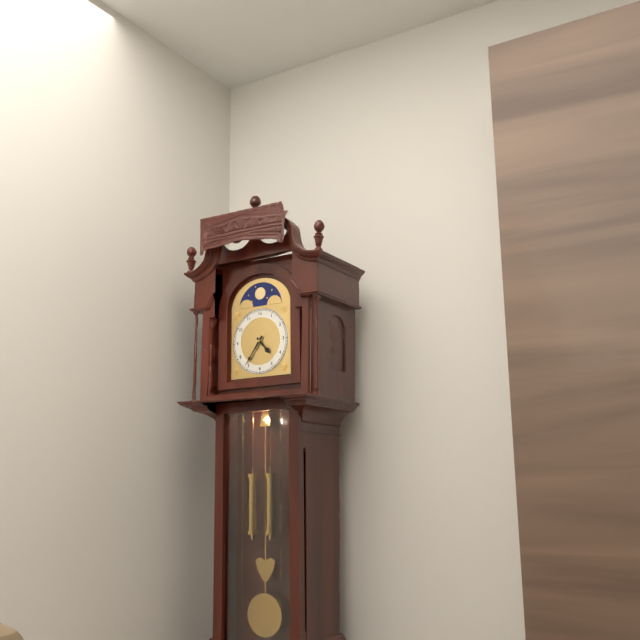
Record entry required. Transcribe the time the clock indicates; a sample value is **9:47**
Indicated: **4:36**
